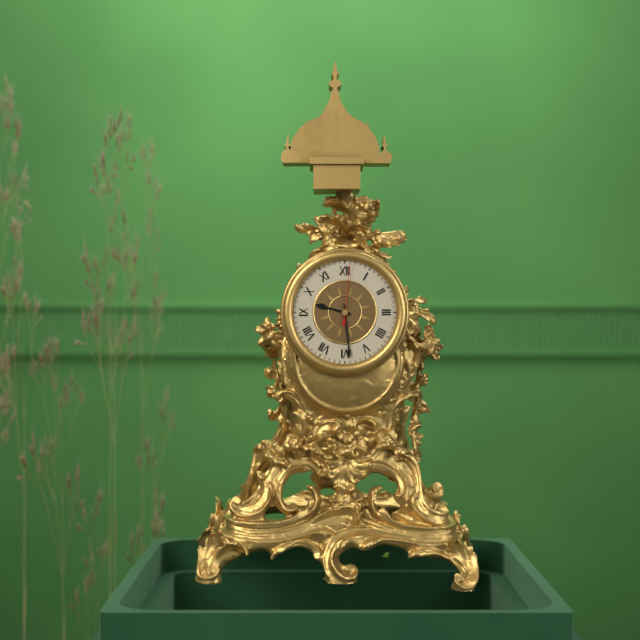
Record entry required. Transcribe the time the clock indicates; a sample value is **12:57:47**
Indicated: **9:29:01**
